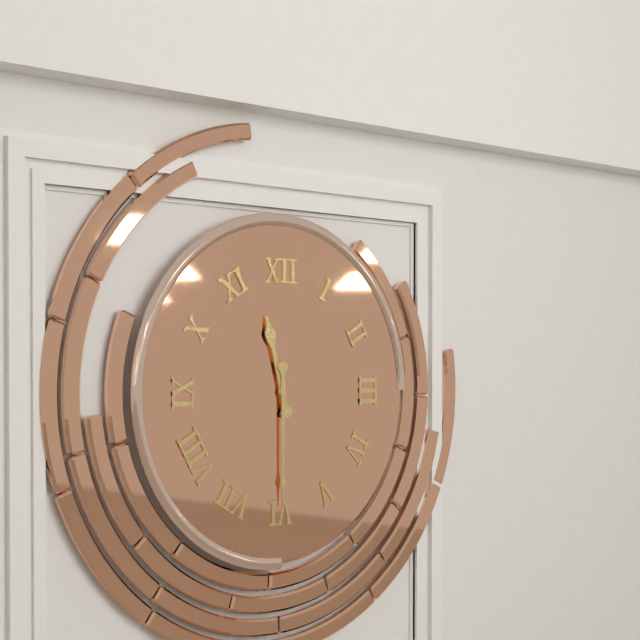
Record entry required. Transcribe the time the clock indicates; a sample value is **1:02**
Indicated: **11:30**
